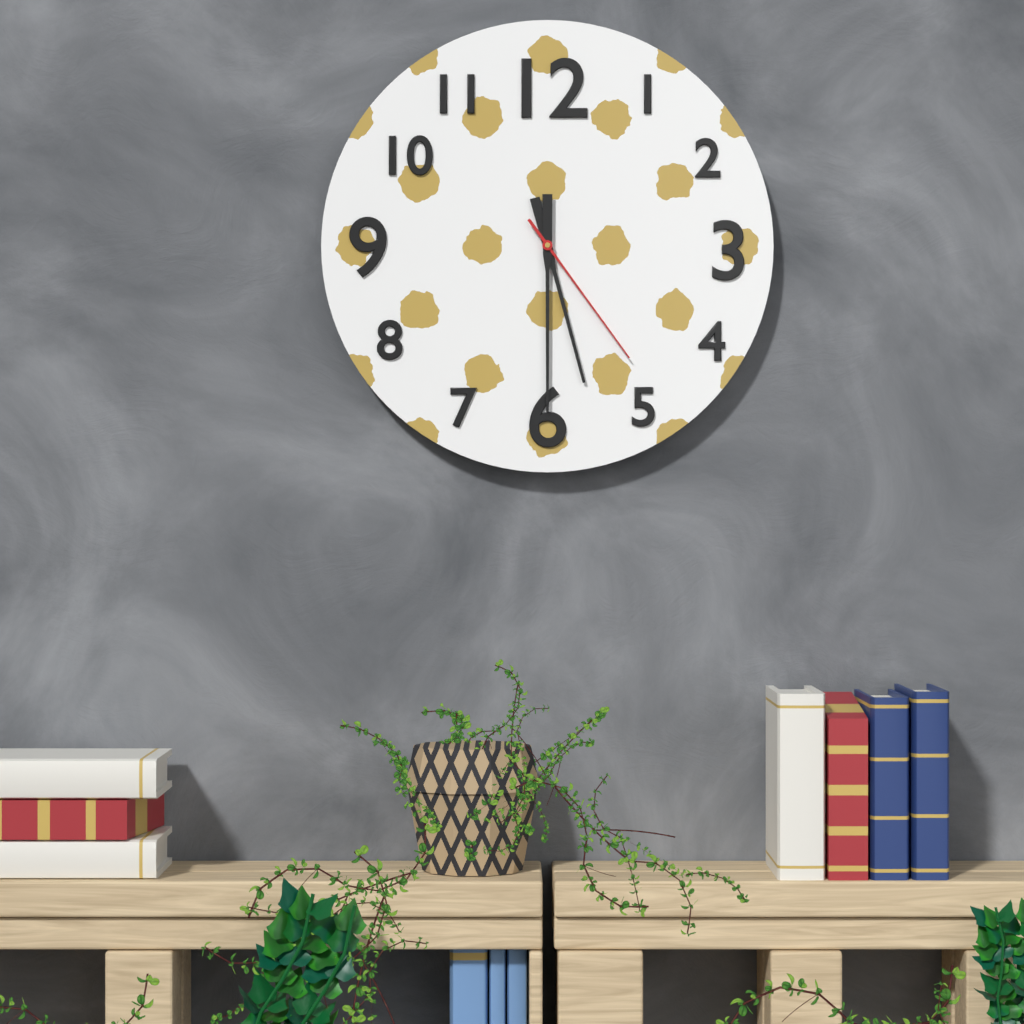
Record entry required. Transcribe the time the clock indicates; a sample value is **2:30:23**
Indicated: **5:30:24**
